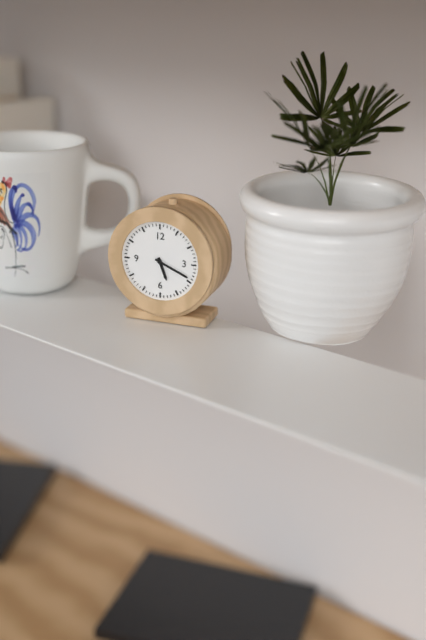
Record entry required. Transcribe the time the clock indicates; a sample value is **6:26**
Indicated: **5:19**
